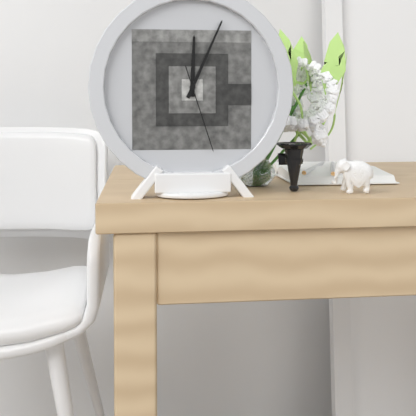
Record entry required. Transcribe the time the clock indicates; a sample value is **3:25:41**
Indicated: **12:04:27**
